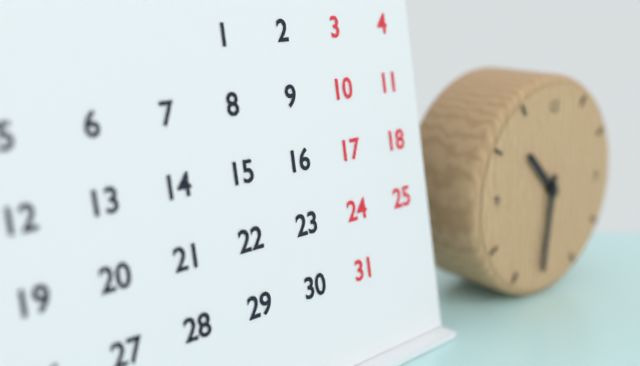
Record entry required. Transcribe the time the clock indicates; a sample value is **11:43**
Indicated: **10:31**
